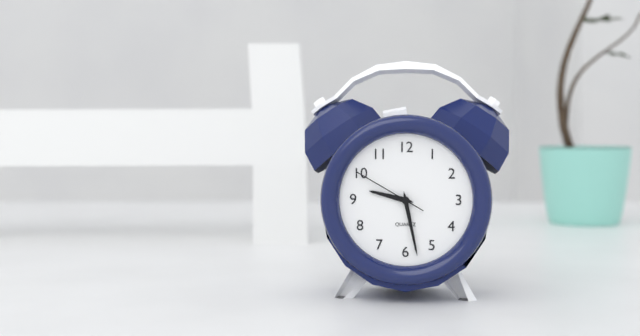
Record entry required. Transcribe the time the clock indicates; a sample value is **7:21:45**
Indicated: **9:28:50**
